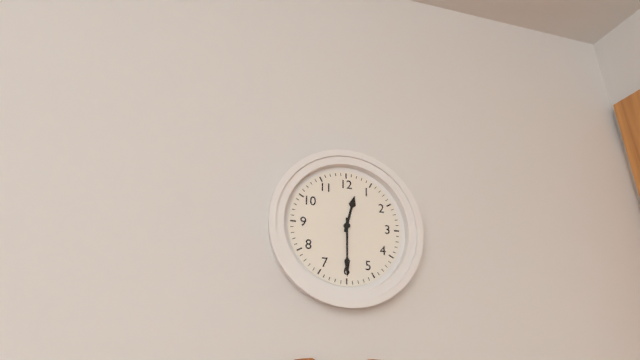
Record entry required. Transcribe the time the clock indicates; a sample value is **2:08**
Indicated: **12:30**
